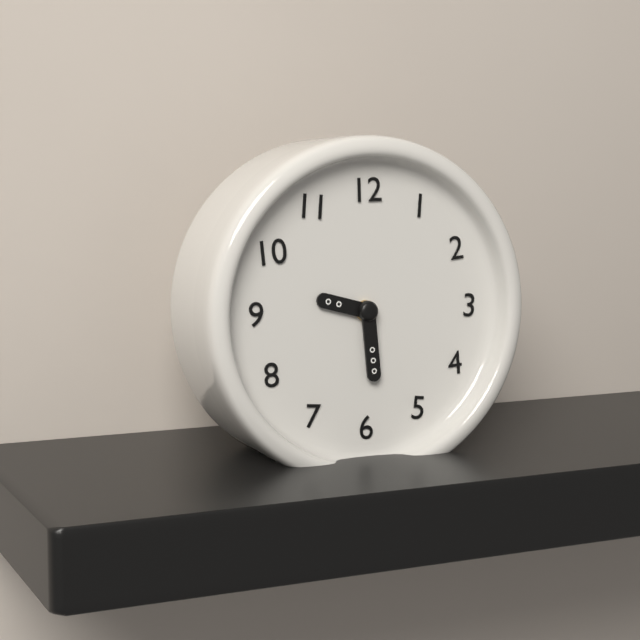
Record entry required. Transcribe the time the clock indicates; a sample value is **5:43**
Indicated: **9:29**
